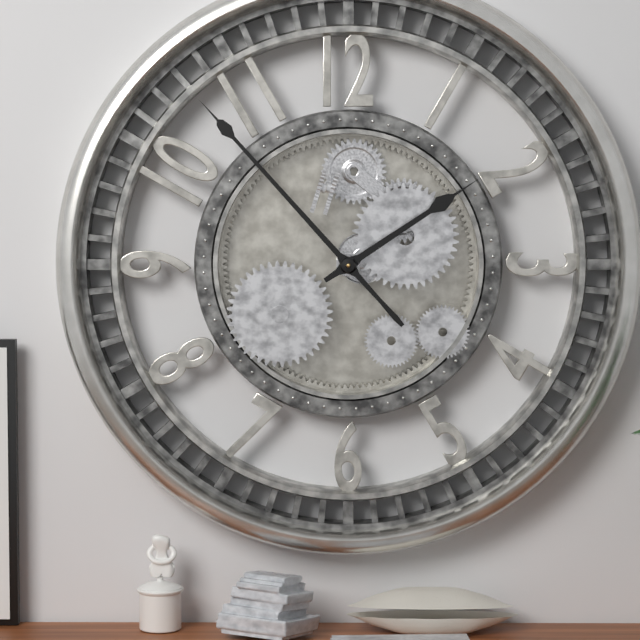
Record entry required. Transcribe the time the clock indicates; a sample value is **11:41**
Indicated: **1:53**
